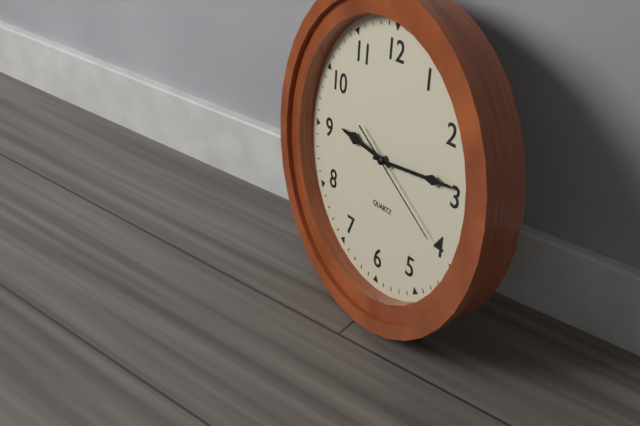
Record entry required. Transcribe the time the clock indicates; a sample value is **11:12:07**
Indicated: **9:14:20**
